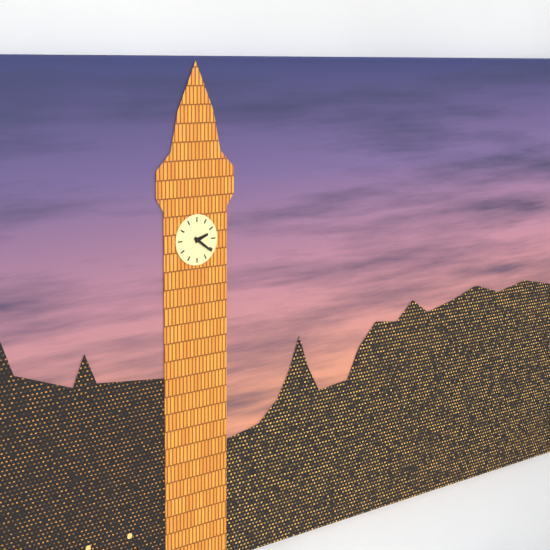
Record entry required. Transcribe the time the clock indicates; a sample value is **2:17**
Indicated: **2:21**
